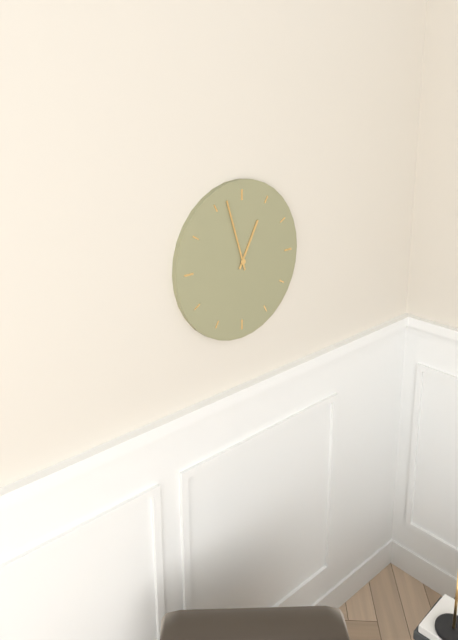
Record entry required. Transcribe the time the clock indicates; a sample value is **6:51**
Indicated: **12:57**
